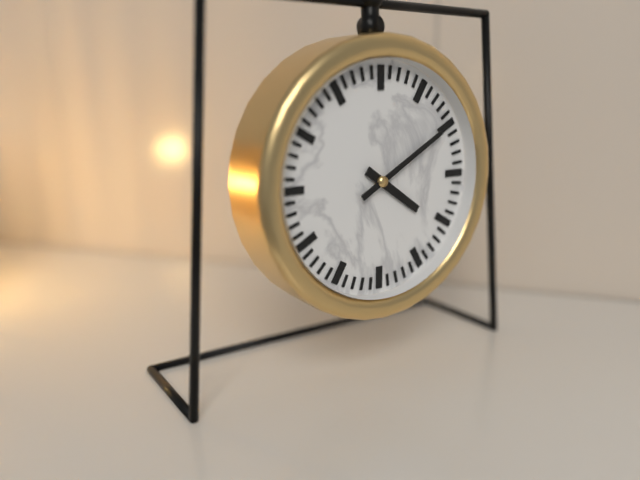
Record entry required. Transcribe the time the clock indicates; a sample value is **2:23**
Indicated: **4:10**
